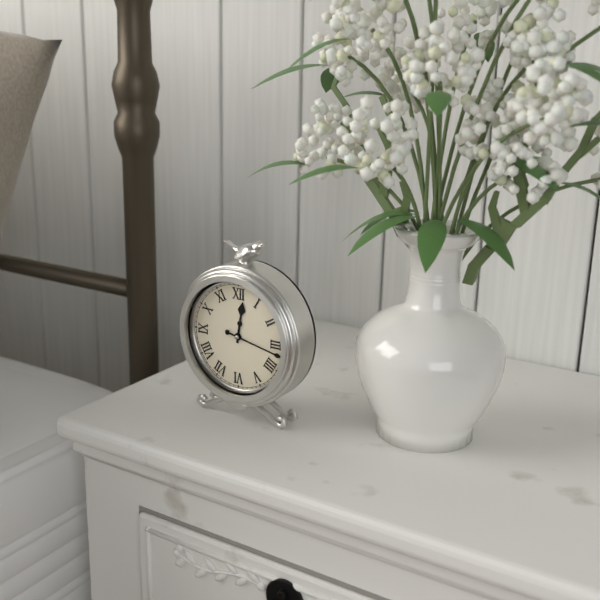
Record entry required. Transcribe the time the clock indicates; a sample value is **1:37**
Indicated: **12:17**
